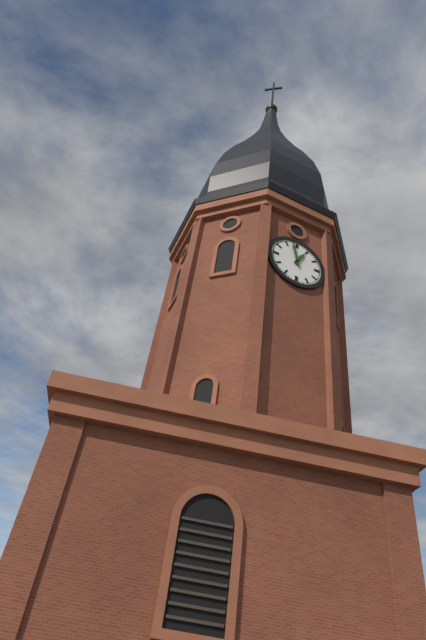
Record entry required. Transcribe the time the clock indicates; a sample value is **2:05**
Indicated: **12:58**
